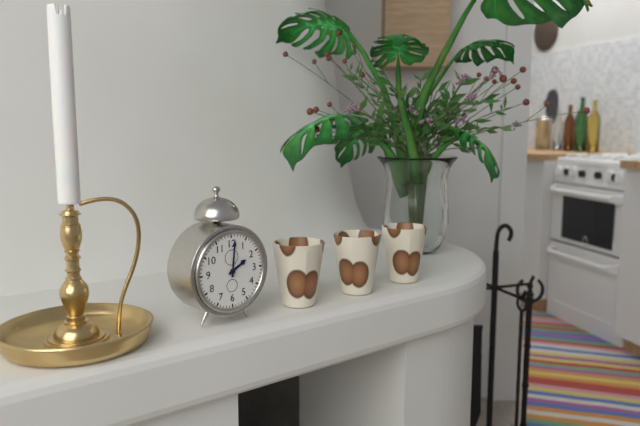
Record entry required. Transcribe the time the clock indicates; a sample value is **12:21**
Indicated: **2:01**
